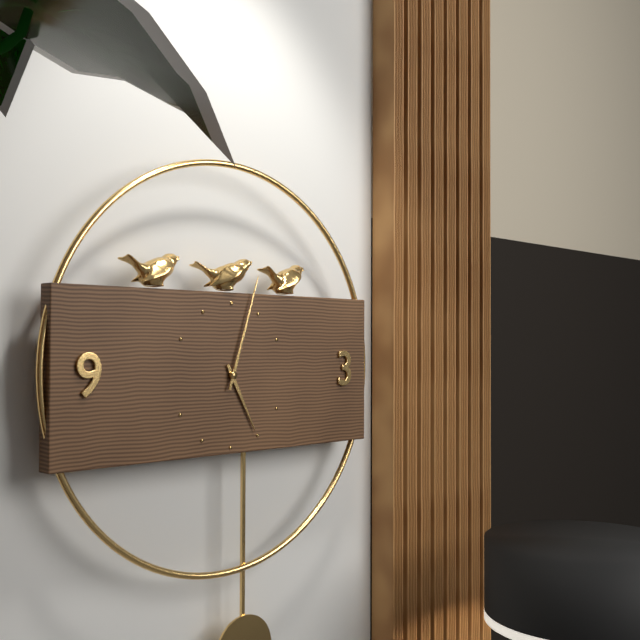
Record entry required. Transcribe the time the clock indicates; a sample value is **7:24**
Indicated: **5:03**
